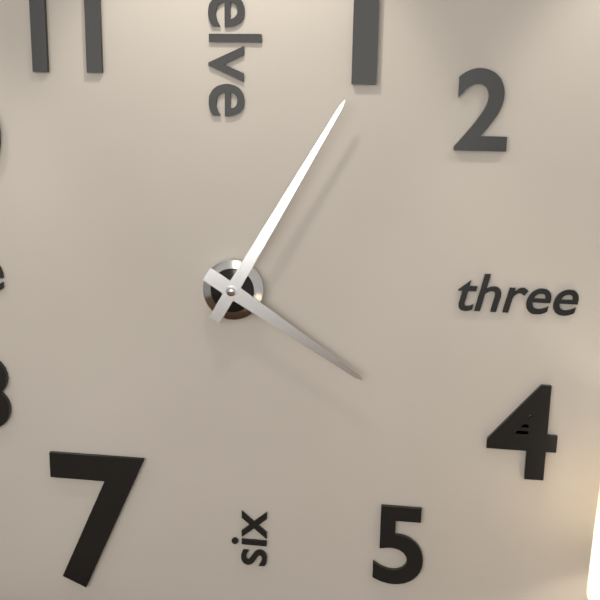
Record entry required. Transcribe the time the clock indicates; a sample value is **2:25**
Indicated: **4:05**
